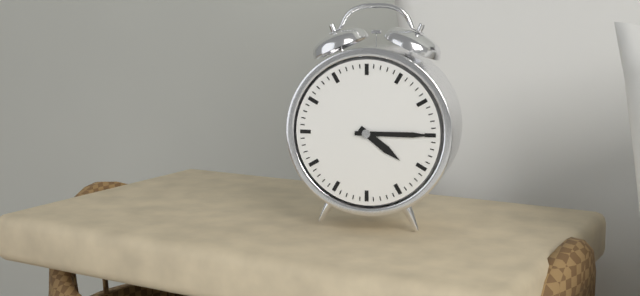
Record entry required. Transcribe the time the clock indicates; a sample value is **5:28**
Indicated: **4:15**
